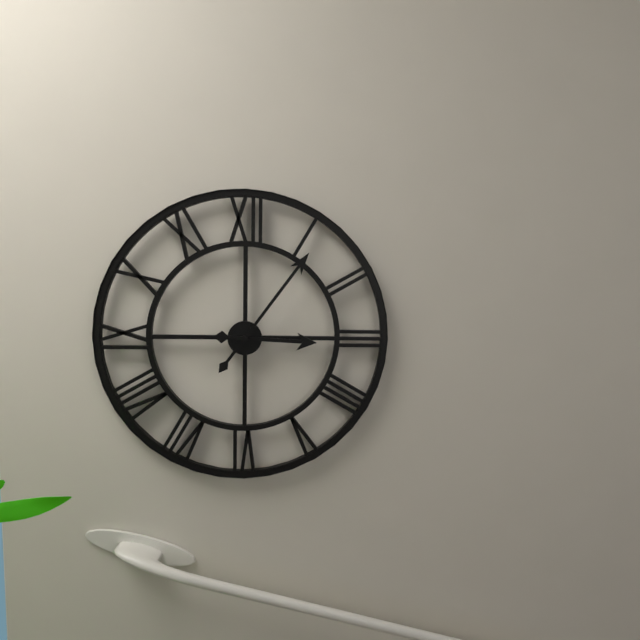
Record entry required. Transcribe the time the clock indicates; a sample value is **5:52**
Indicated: **3:06**
